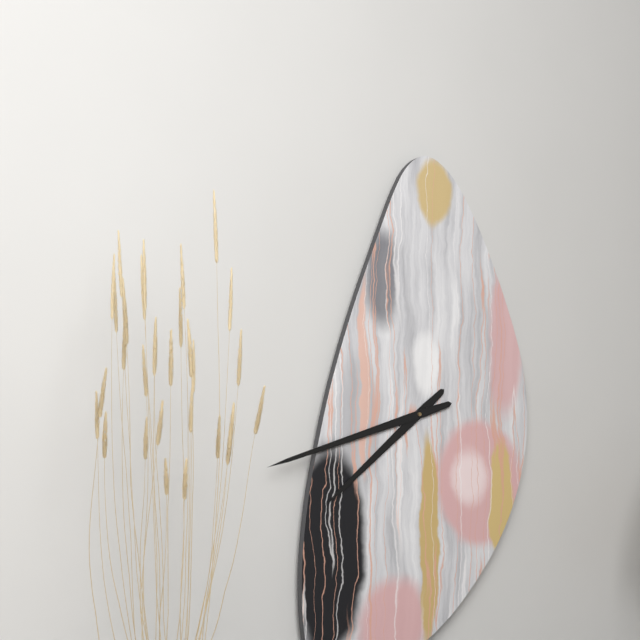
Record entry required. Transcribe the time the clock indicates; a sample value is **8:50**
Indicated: **7:42**
